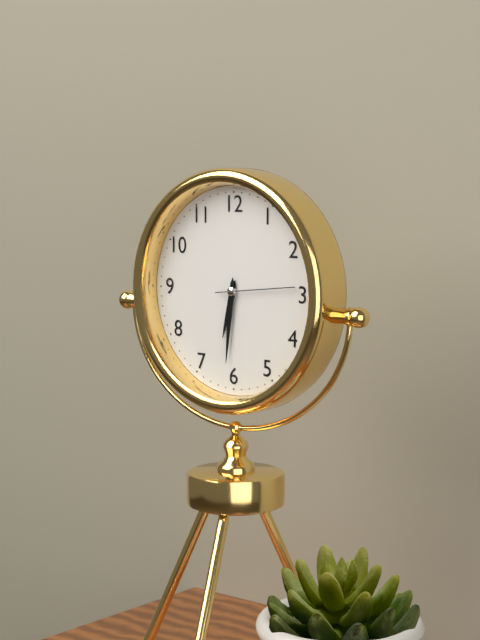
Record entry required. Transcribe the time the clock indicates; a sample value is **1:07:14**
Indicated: **6:31:14**
